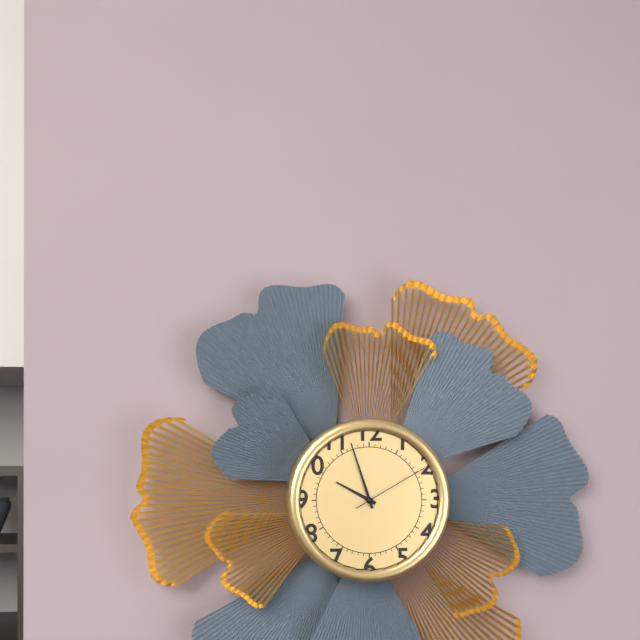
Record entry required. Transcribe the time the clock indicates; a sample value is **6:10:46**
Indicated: **9:57:10**
